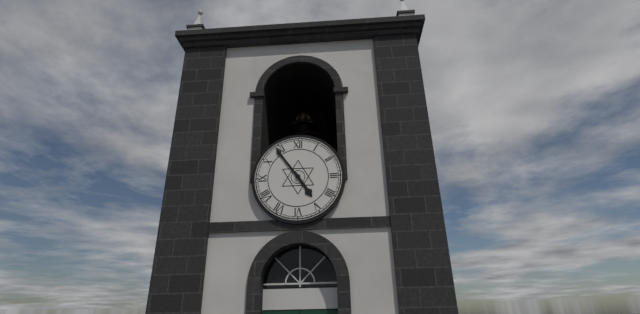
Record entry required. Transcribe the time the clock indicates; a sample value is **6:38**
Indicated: **4:54**
